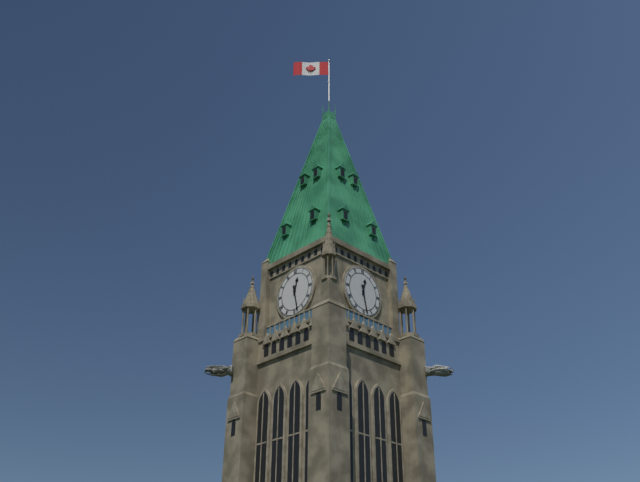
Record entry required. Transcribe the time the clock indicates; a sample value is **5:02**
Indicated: **12:28**
